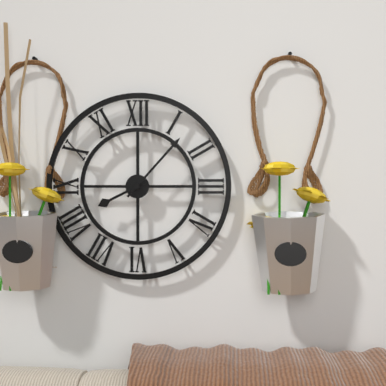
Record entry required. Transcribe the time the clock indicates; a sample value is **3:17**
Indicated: **8:07**
